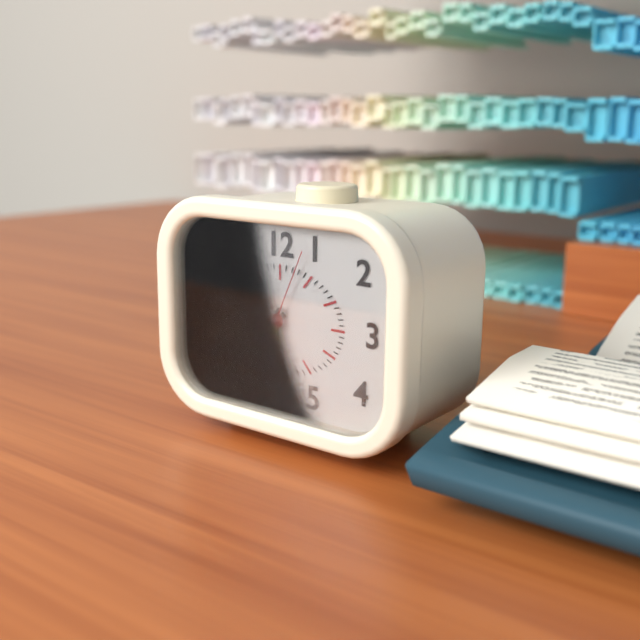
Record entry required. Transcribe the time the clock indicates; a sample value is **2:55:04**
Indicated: **7:31:04**
